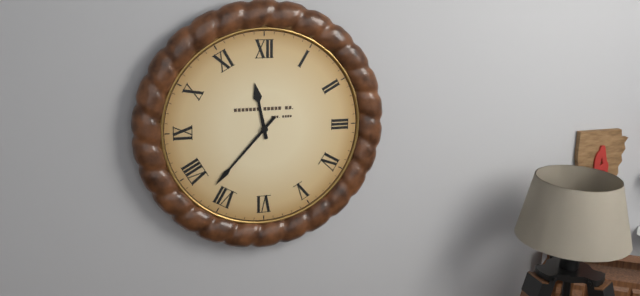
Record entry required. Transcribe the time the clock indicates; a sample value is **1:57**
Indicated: **11:37**
